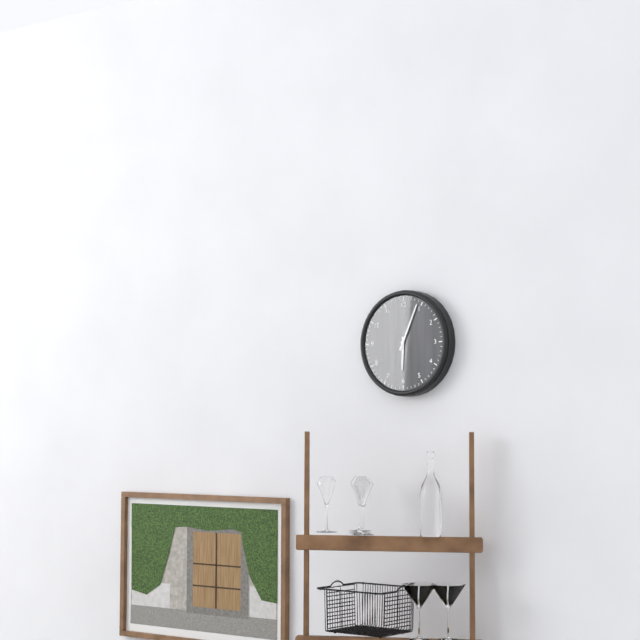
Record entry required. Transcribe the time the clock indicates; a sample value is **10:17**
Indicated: **6:04**
